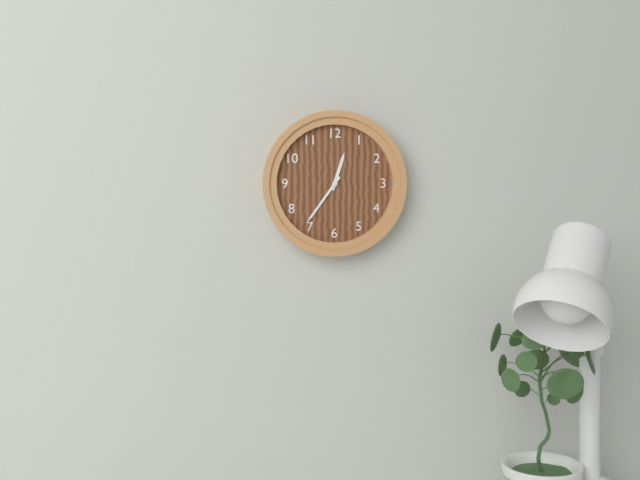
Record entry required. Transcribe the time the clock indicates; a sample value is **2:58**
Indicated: **12:36**
